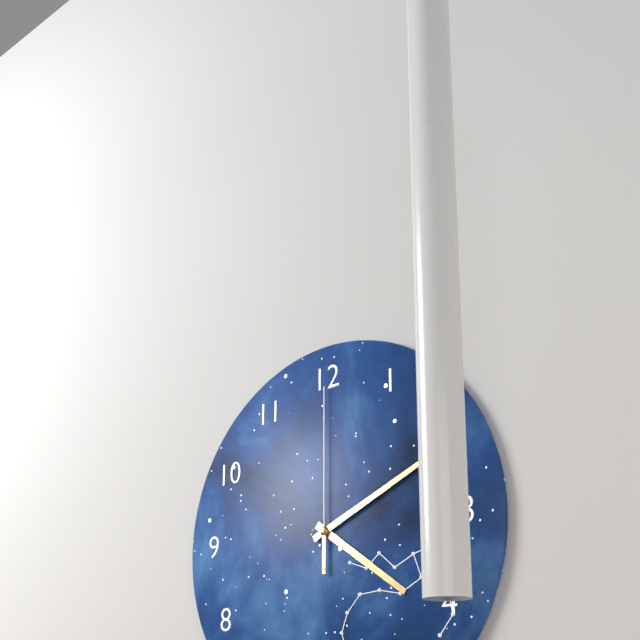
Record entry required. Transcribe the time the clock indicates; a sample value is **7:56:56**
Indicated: **4:11:00**
